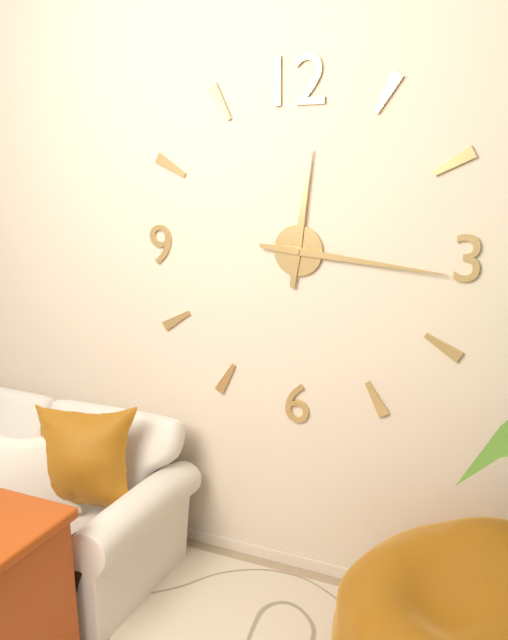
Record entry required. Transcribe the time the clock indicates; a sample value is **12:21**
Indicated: **12:16**
